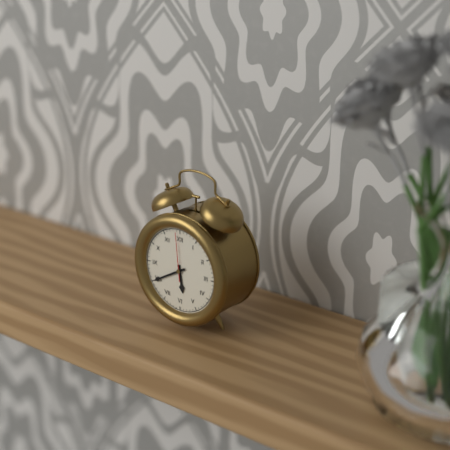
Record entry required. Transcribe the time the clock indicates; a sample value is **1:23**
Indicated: **5:40**
